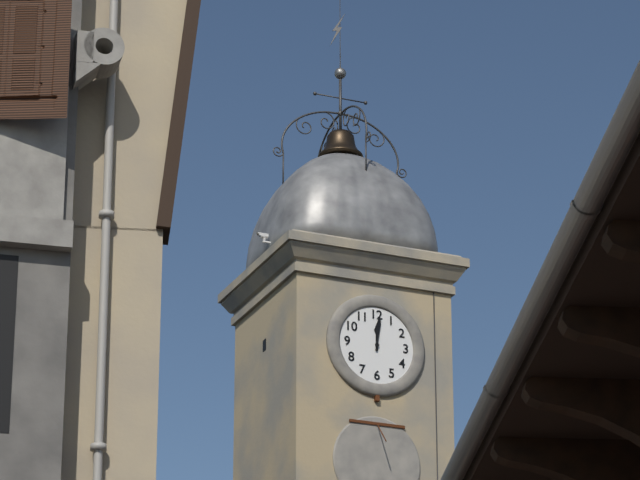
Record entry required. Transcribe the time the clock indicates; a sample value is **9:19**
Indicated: **12:01**
